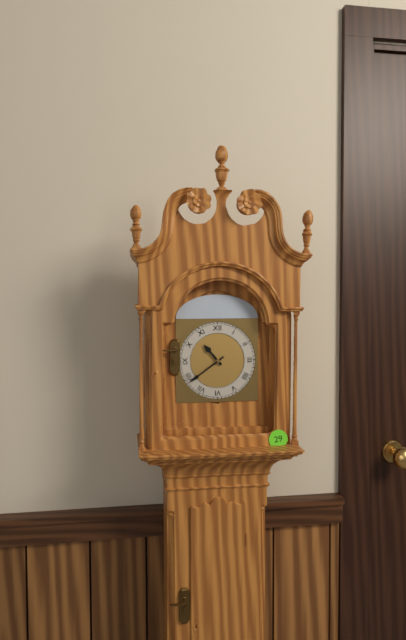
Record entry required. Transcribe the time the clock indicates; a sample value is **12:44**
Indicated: **10:39**
